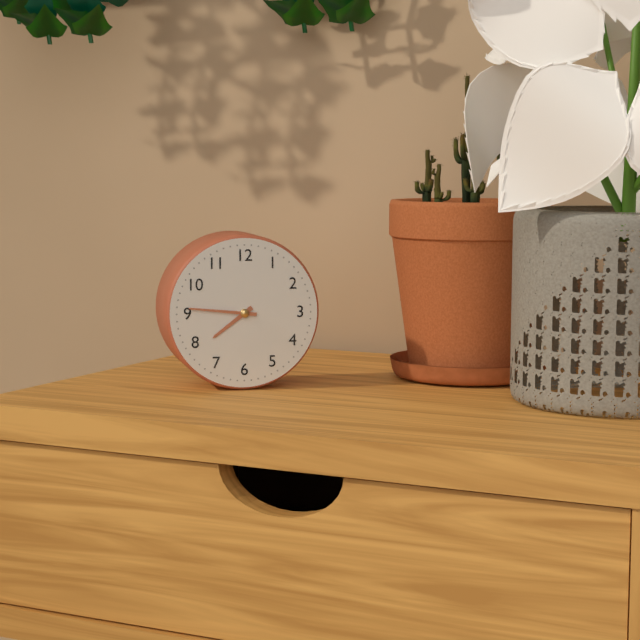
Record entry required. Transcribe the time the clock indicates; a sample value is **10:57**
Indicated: **7:46**
